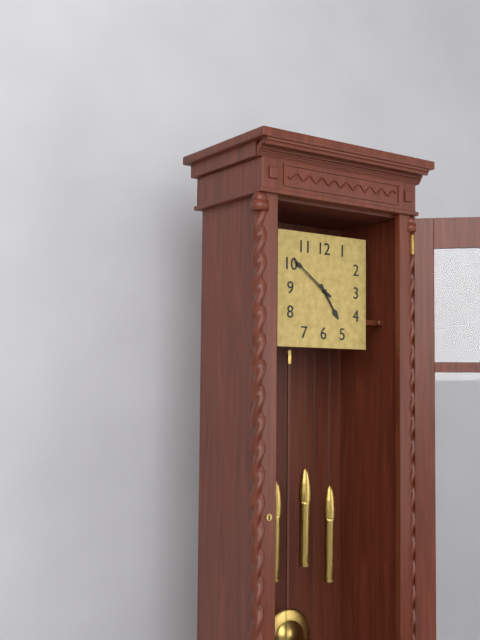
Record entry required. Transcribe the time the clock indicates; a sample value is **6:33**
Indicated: **4:51**
